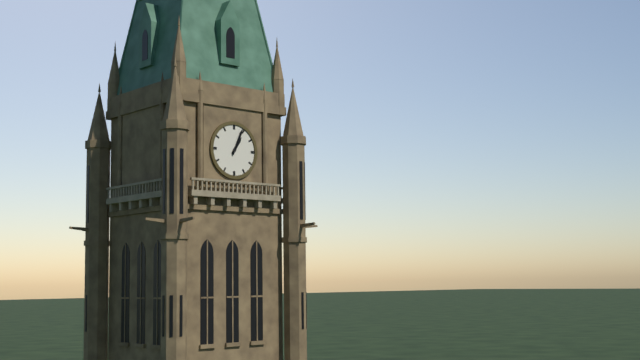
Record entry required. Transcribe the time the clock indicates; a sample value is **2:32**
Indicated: **1:04**
